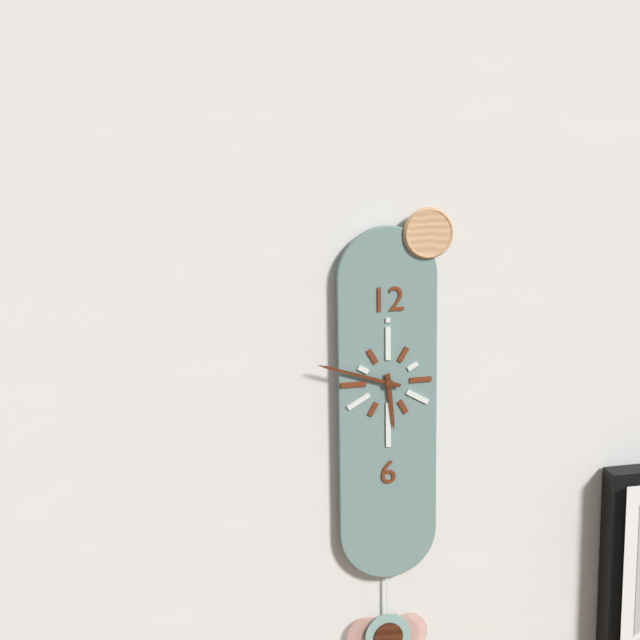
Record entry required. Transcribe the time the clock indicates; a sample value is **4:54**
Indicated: **5:48**
